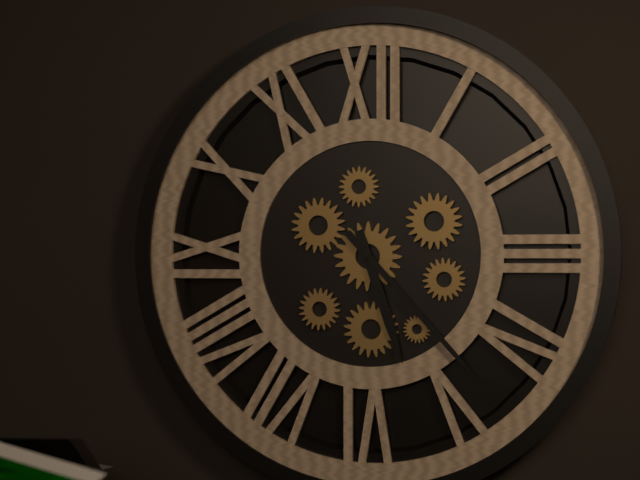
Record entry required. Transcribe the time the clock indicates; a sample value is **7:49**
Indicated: **5:23**
